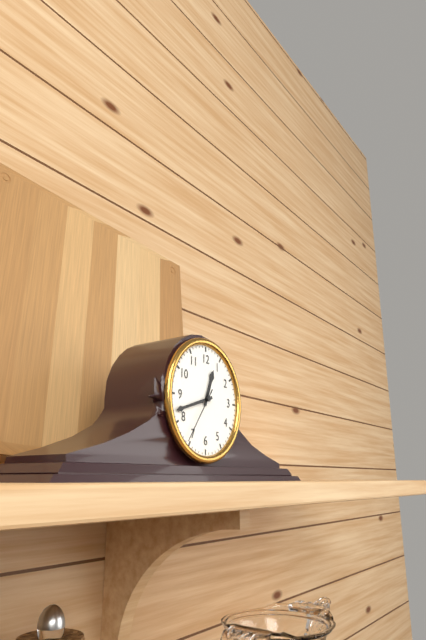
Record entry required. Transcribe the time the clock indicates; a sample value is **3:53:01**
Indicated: **12:42:36**
